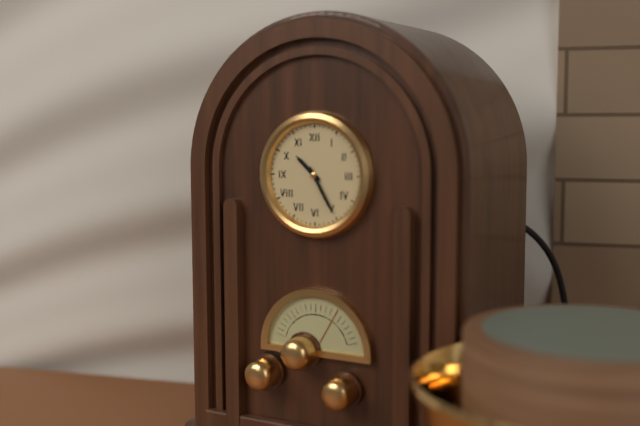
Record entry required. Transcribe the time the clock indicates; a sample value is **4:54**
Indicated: **10:25**
